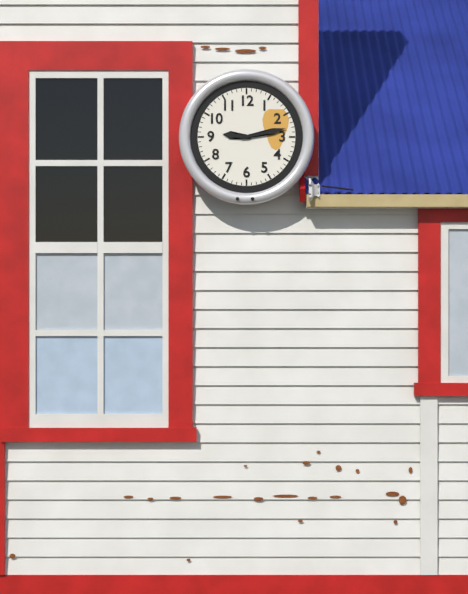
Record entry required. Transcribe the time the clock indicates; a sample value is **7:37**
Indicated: **9:13**
